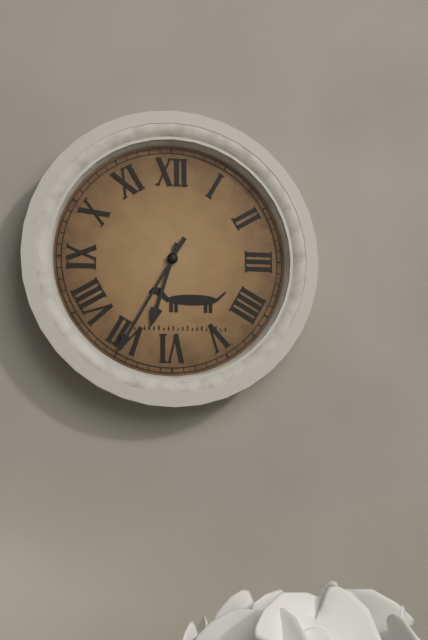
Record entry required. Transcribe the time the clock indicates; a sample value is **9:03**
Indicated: **6:35**
